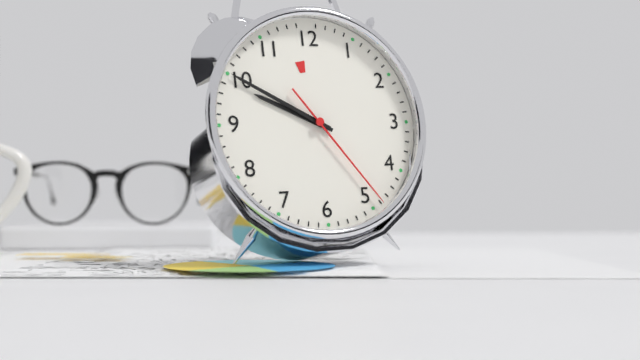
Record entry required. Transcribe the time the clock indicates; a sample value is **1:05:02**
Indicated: **9:50:24**
